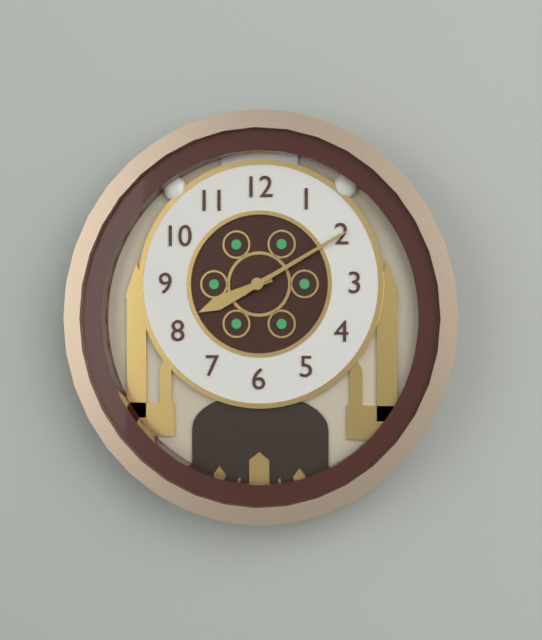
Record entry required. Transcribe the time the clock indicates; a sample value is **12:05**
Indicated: **8:10**
